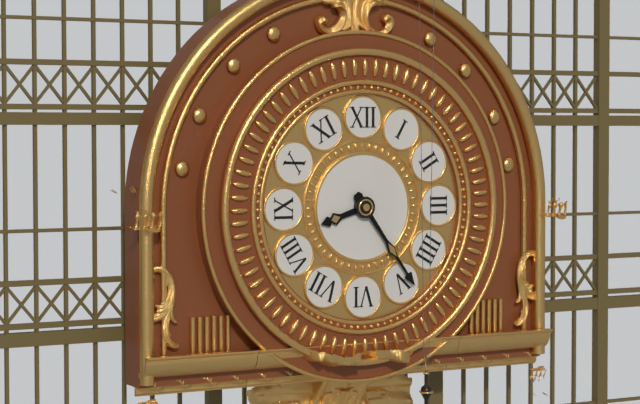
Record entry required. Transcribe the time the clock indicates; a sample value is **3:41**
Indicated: **8:24**
